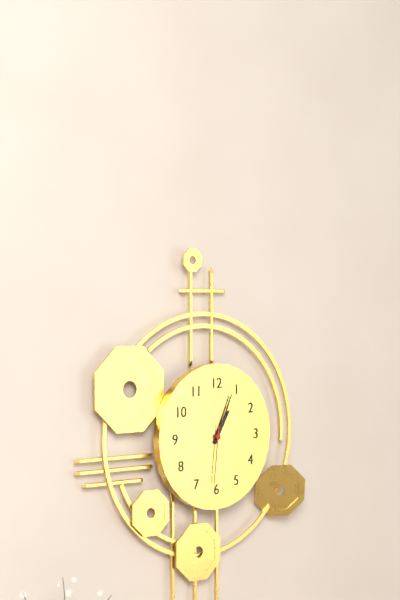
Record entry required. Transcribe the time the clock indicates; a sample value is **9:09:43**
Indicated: **1:04:31**
